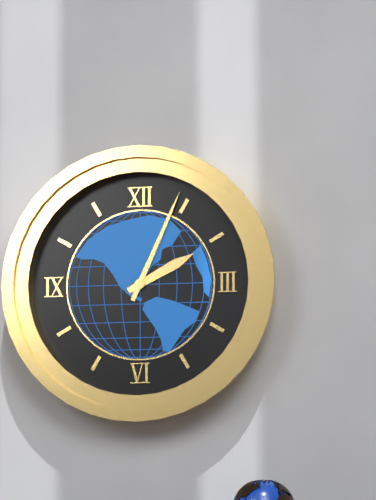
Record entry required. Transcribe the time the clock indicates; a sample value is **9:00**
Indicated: **2:04**
